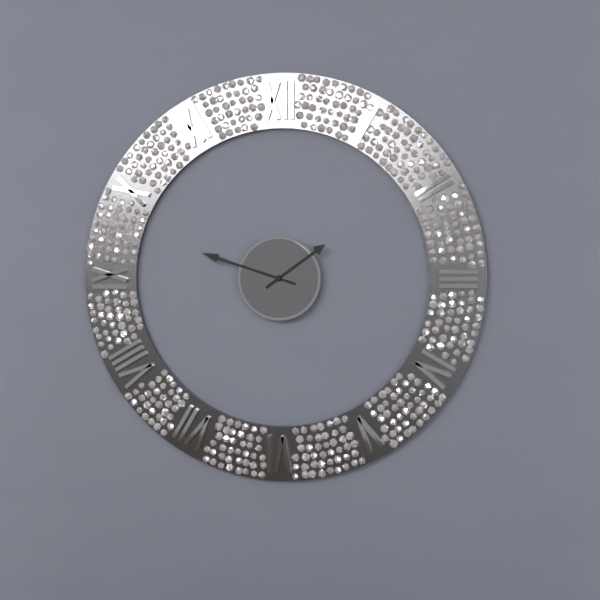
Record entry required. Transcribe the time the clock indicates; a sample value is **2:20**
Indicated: **1:48**
